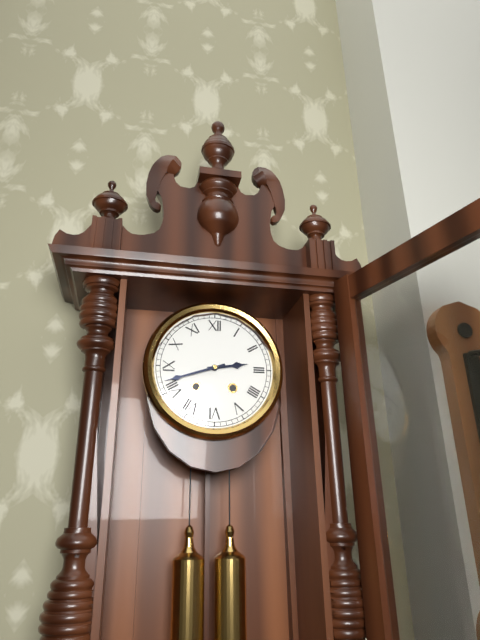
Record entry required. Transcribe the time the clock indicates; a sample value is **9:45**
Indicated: **2:42**
